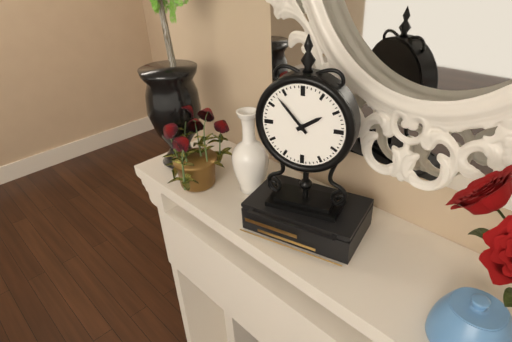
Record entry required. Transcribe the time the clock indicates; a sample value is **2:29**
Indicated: **1:53**
